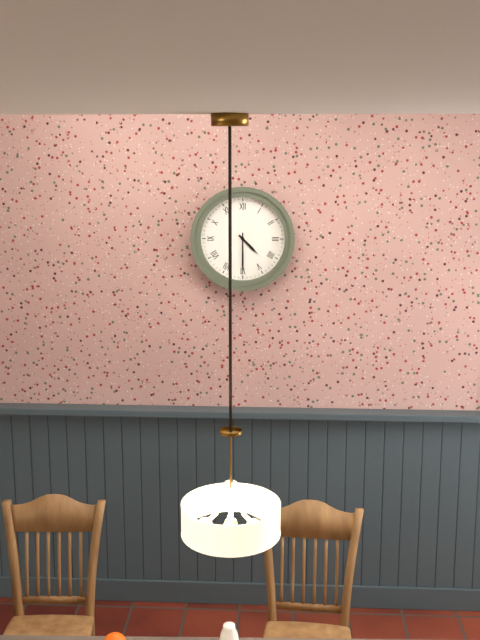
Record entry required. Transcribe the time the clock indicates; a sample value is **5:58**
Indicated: **4:30**
